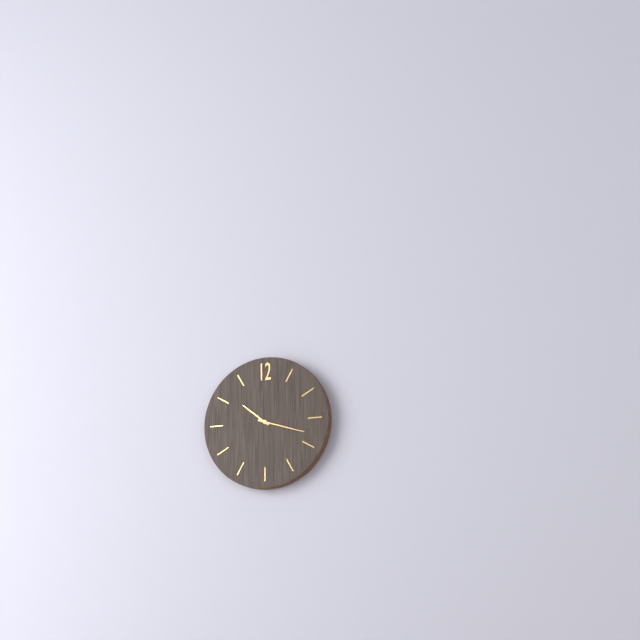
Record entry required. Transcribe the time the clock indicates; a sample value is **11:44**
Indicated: **10:18**
